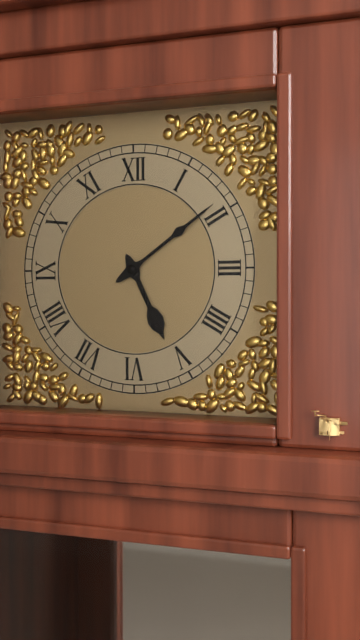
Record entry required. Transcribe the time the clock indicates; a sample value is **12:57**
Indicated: **5:09**
